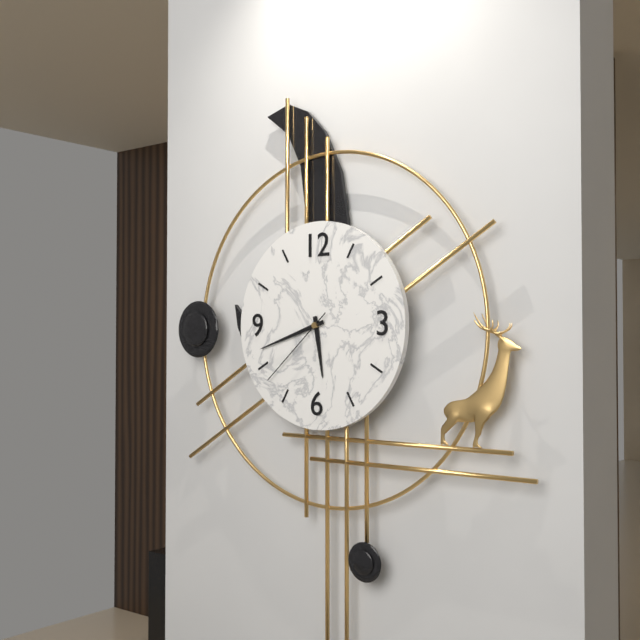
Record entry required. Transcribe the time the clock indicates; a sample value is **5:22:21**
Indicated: **5:42:38**
